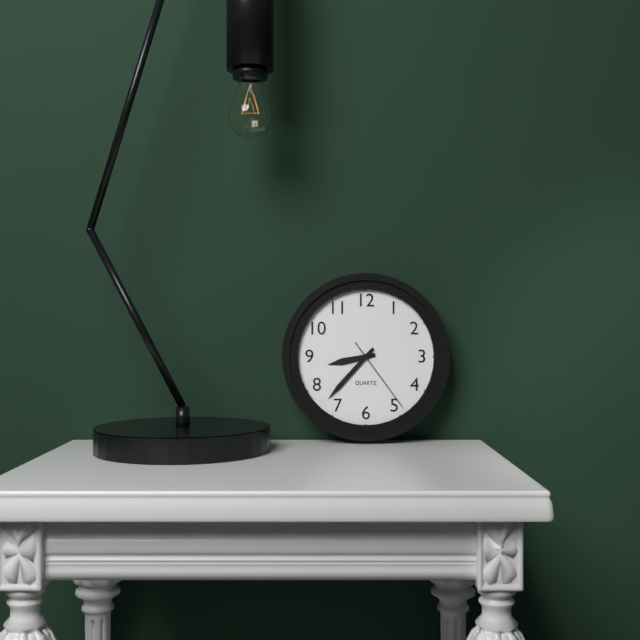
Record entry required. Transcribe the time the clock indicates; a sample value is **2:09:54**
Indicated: **8:37:24**
